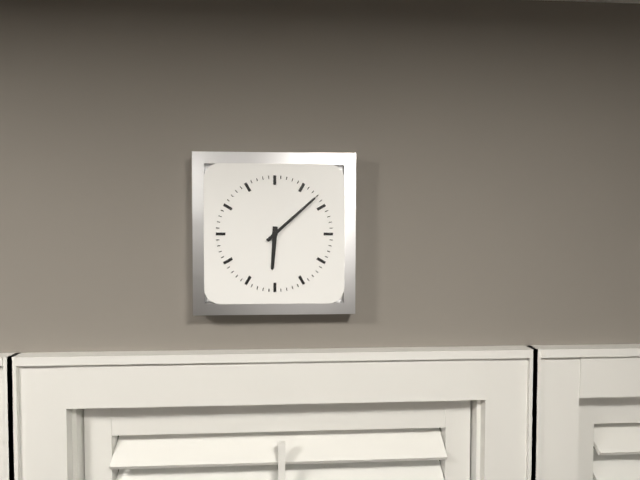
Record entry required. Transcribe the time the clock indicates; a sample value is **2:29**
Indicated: **6:08**
